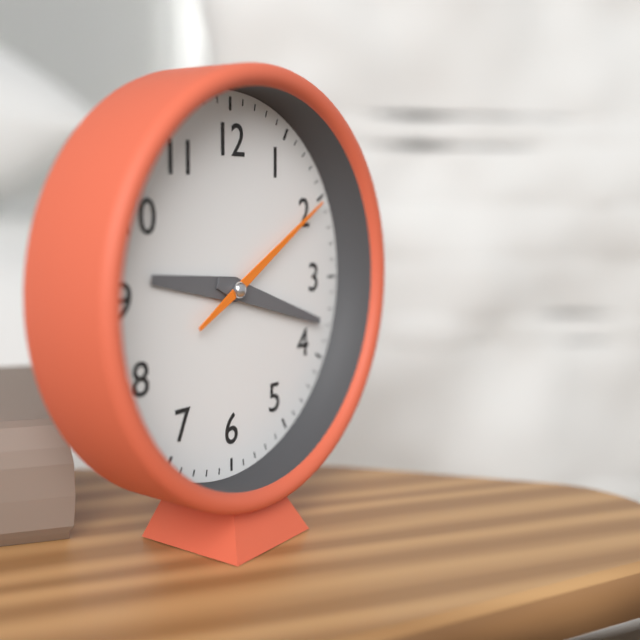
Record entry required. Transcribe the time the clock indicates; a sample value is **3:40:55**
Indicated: **9:18:10**
